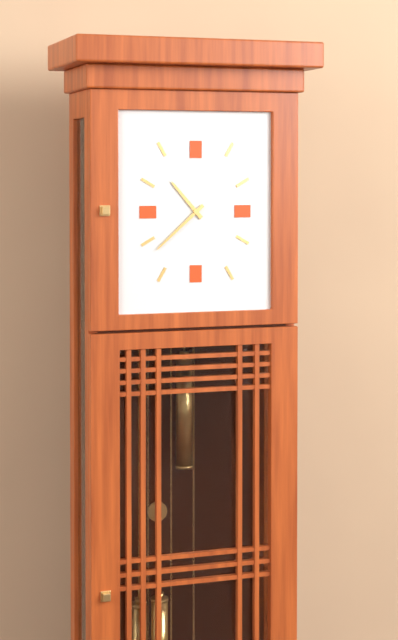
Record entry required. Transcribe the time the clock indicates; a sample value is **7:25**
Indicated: **10:38**
